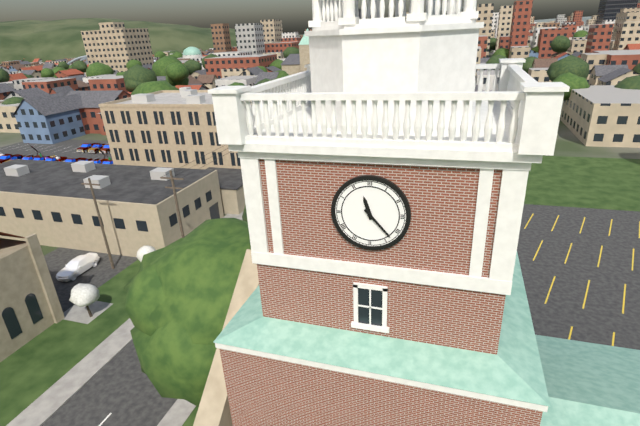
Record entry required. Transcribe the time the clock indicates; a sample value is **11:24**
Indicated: **11:23**
